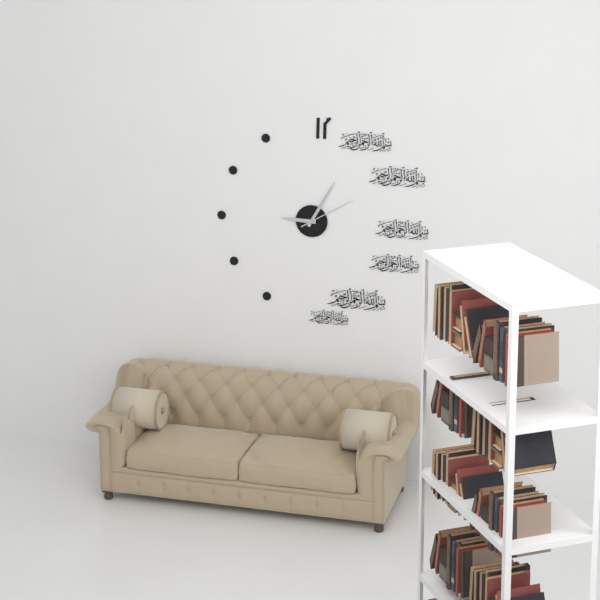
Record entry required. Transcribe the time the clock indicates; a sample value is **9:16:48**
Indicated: **9:05:10**
